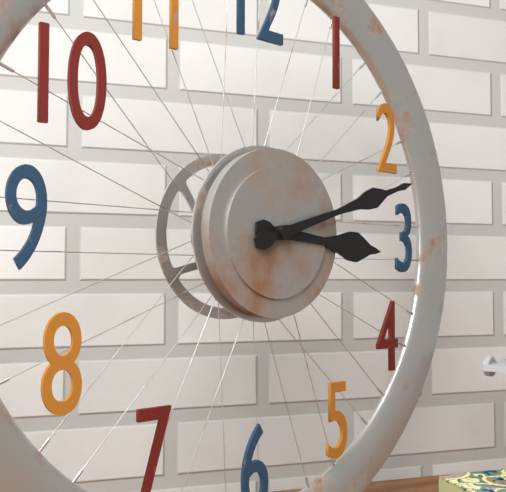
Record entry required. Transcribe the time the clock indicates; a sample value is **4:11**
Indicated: **3:12**
